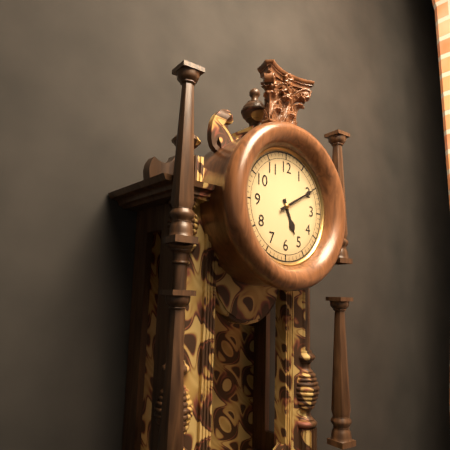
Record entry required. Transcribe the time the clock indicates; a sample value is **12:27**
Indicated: **5:10**
